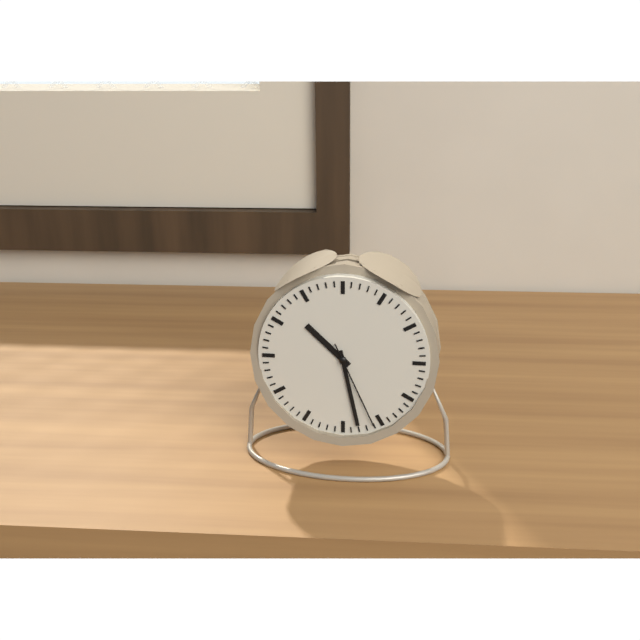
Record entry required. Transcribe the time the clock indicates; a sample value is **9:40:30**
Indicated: **10:28:26**
